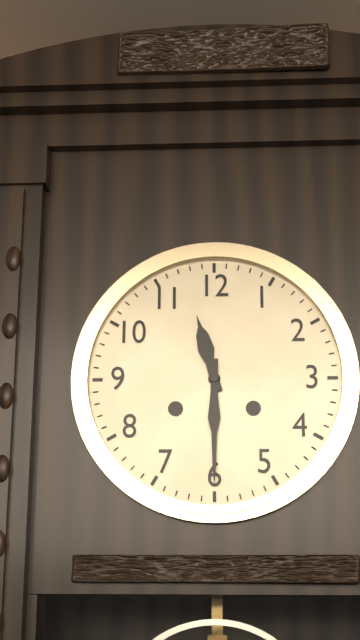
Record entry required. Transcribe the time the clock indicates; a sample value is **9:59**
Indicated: **11:30**
